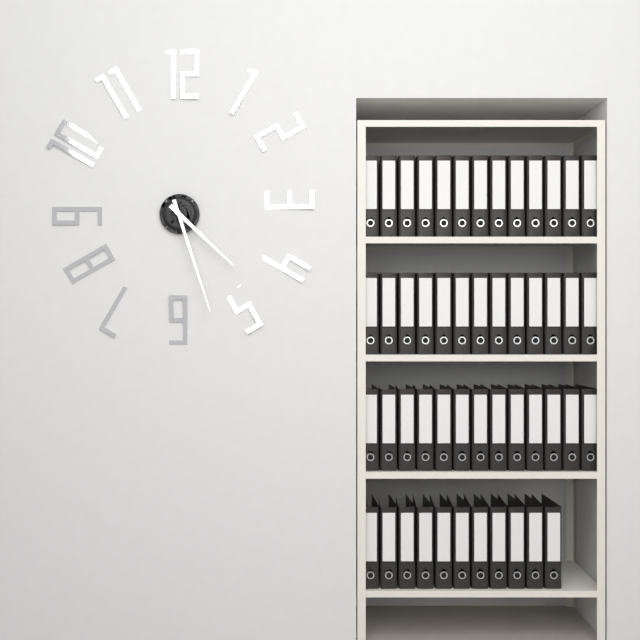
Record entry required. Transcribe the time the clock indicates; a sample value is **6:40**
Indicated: **4:27**
